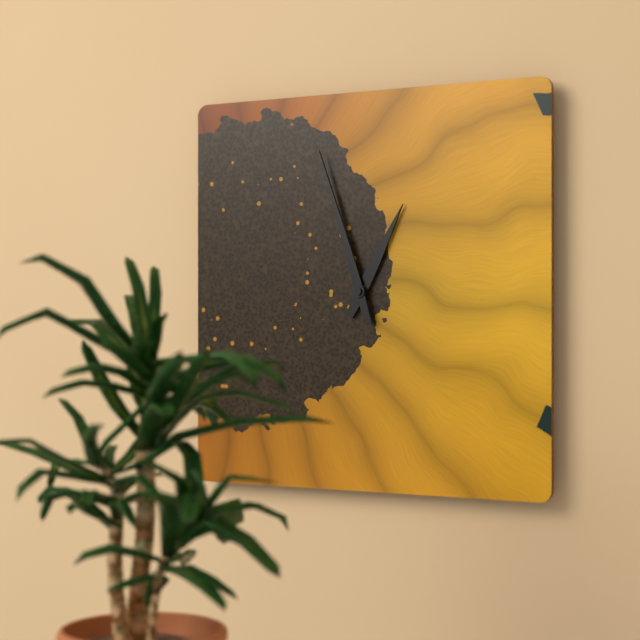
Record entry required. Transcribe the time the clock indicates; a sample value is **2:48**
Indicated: **12:57**
